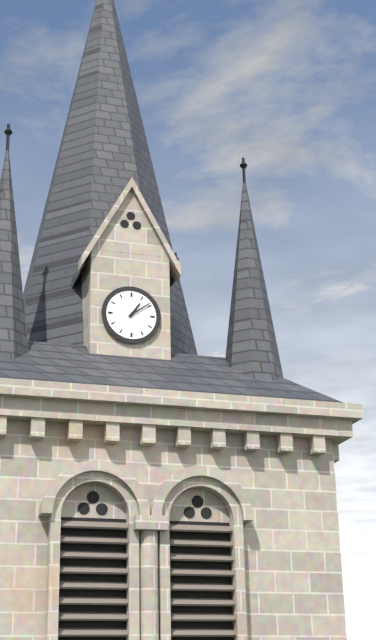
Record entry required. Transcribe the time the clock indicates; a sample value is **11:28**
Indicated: **1:09**
